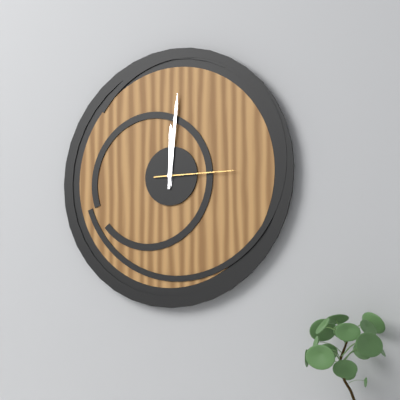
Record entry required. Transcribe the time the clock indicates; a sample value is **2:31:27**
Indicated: **12:01:15**
